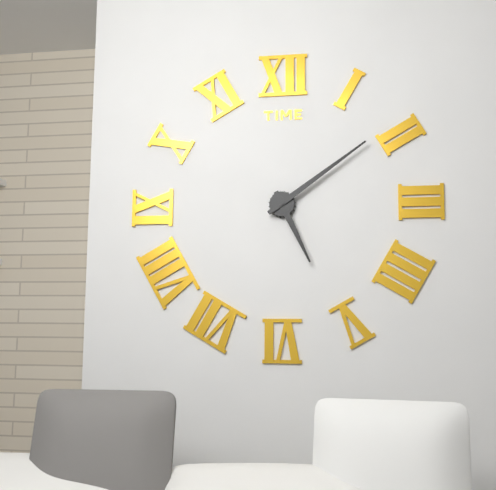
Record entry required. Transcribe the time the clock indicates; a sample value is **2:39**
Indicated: **5:09**
